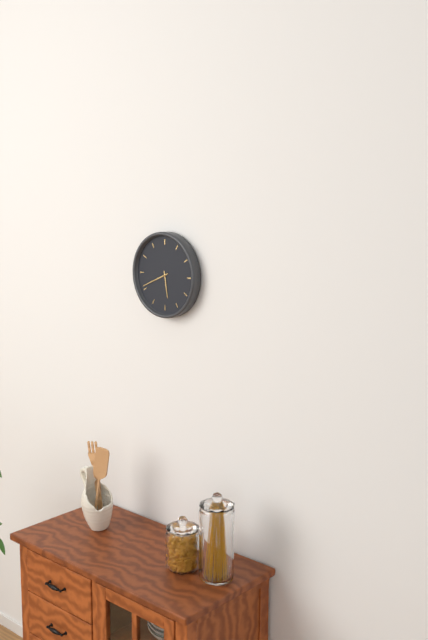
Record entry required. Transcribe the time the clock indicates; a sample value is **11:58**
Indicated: **5:41**
